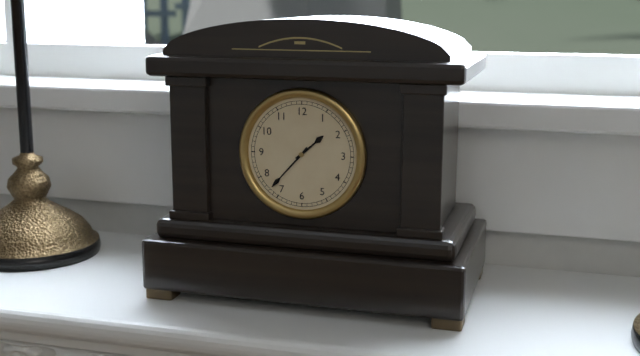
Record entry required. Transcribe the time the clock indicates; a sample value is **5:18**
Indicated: **1:37**
